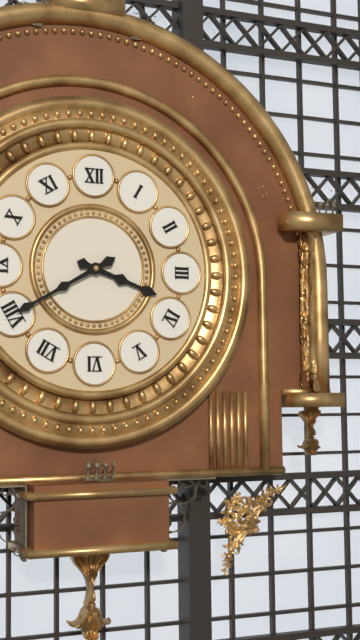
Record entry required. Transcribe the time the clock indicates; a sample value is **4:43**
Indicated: **3:40**
